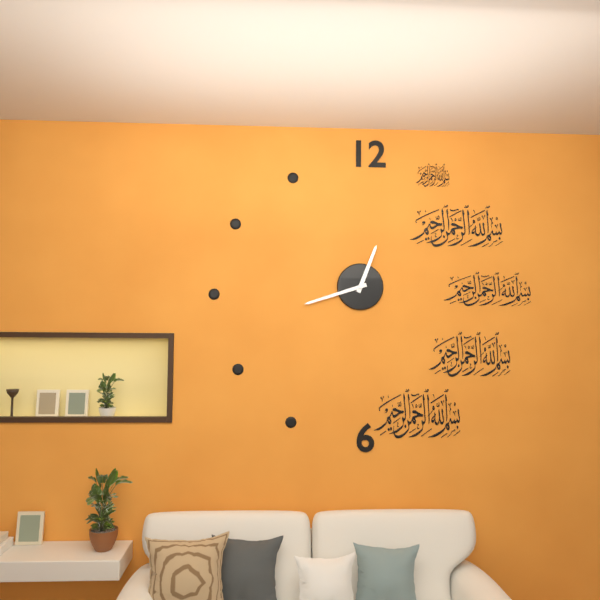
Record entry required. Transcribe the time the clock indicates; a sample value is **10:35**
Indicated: **12:42**
